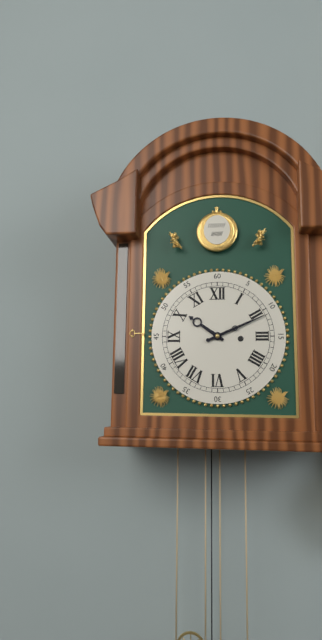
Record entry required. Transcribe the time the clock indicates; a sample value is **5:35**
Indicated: **10:11**
